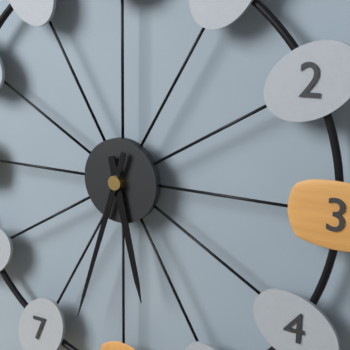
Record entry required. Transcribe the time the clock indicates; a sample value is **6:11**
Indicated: **5:33**
